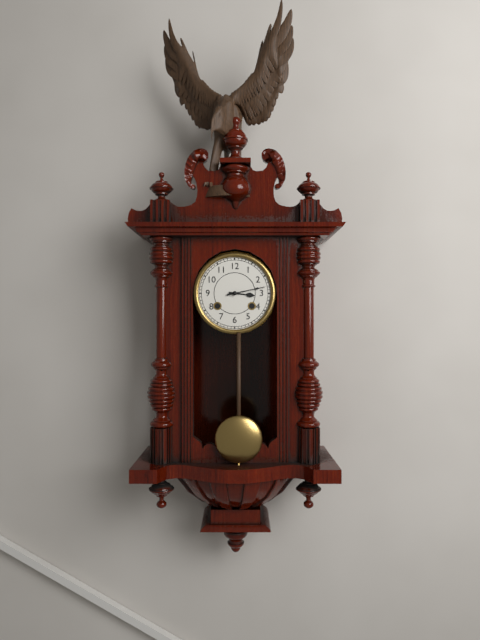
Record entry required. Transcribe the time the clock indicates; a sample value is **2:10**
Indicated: **3:13**
